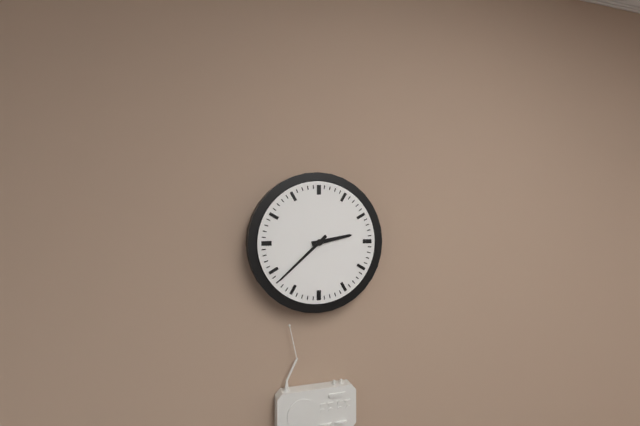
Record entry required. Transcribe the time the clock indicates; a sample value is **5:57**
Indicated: **2:38**
